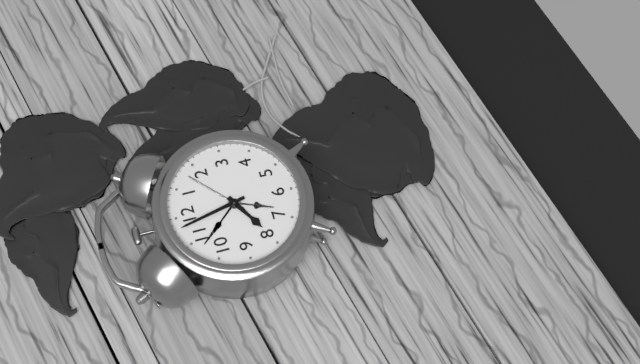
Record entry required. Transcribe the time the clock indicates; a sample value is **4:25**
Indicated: **7:58**
